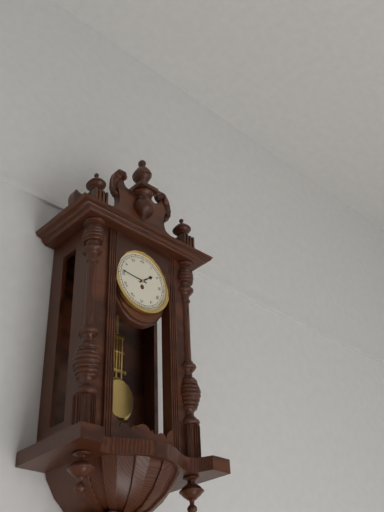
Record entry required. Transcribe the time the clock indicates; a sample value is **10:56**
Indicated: **1:46**
